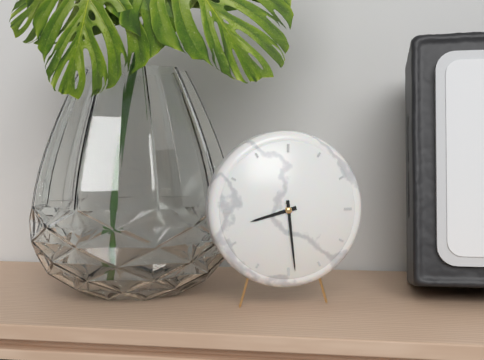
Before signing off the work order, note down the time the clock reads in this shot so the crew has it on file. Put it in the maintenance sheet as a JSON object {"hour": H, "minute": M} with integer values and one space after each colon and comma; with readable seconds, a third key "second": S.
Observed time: {"hour": 8, "minute": 29}
